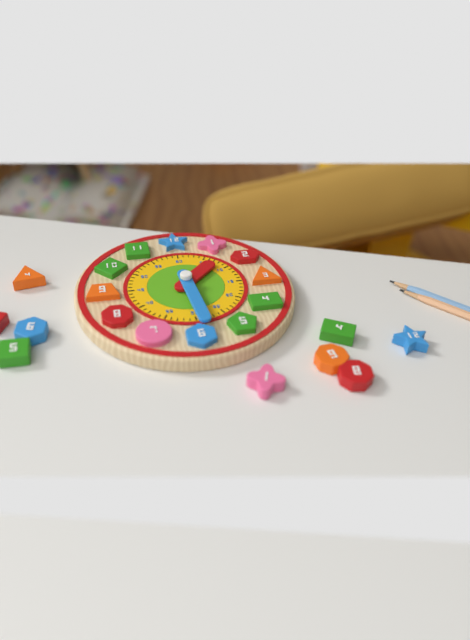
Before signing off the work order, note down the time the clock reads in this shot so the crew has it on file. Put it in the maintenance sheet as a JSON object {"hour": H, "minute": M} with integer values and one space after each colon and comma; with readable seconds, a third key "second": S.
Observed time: {"hour": 1, "minute": 29}
